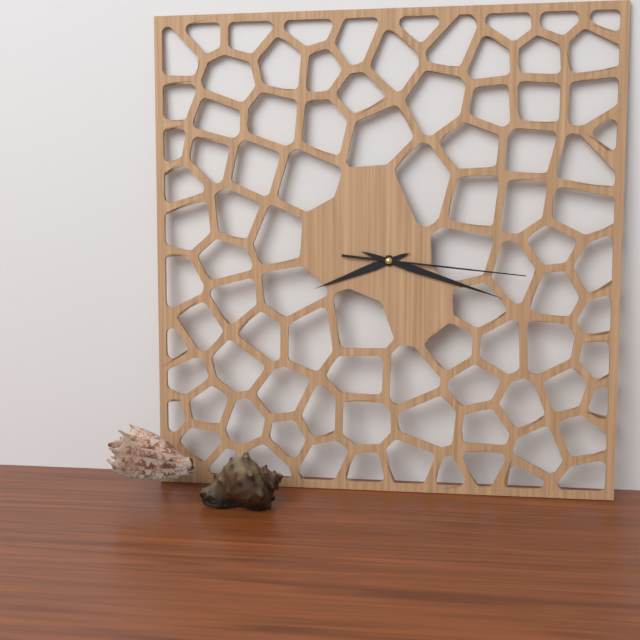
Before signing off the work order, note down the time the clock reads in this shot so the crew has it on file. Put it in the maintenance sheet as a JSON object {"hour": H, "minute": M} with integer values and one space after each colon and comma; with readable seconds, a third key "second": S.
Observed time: {"hour": 8, "minute": 18, "second": 16}
